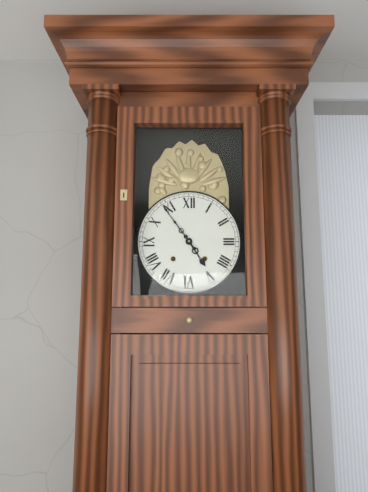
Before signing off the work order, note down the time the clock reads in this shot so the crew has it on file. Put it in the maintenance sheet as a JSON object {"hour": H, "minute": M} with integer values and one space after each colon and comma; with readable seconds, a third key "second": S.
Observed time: {"hour": 4, "minute": 54}
